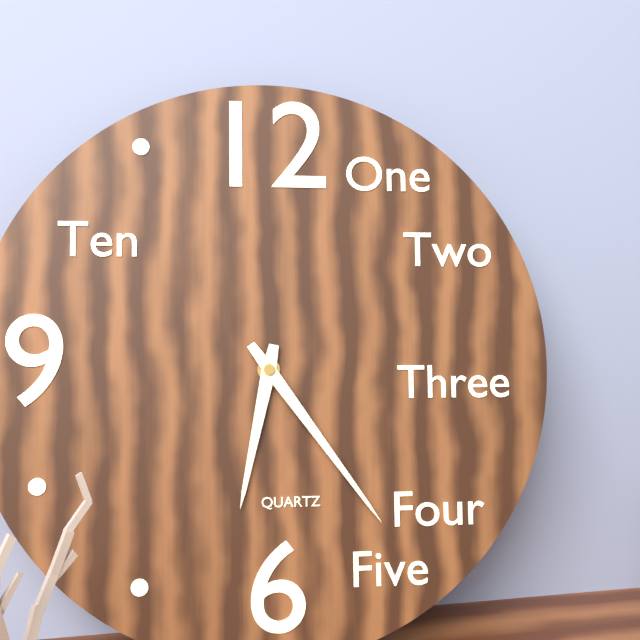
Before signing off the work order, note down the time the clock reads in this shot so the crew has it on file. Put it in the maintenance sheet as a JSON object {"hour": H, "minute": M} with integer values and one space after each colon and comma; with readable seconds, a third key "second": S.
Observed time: {"hour": 6, "minute": 24}
